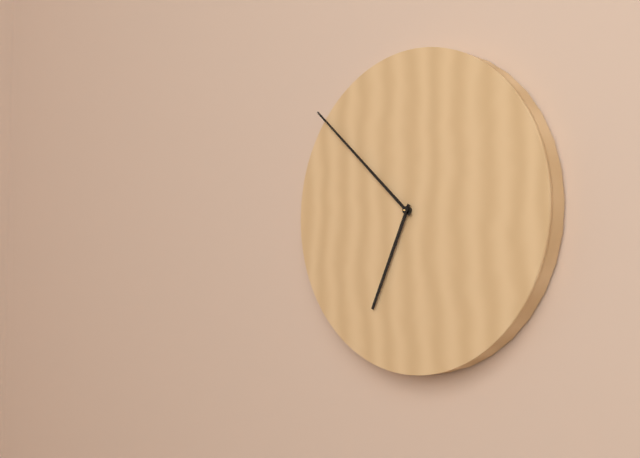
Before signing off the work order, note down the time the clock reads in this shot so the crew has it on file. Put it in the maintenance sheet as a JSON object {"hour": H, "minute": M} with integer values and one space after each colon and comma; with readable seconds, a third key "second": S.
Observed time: {"hour": 6, "minute": 52}
